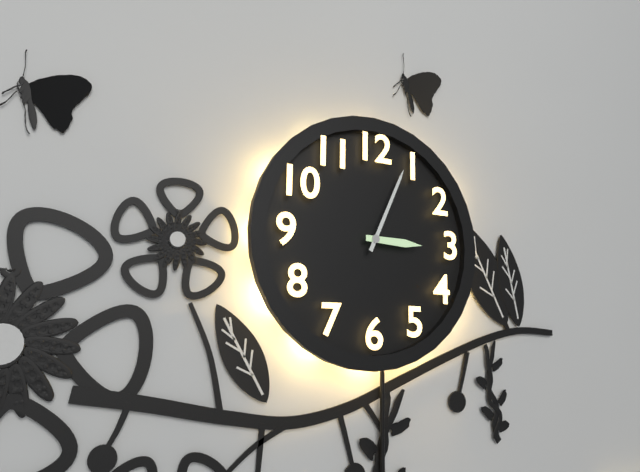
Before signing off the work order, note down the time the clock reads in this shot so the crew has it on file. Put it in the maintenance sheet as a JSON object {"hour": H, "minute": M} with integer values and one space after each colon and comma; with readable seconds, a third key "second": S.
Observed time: {"hour": 3, "minute": 4}
